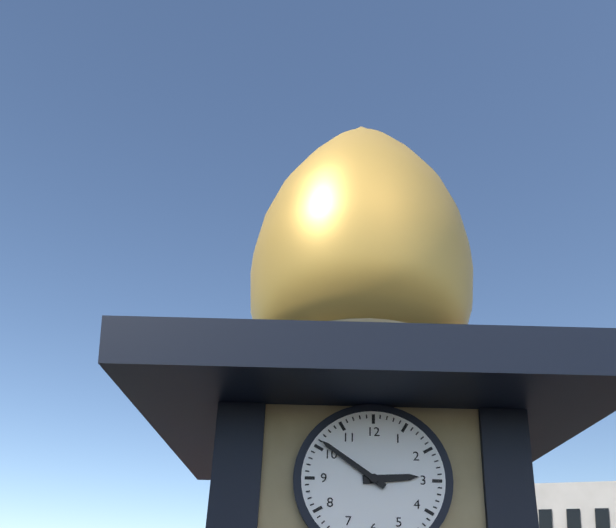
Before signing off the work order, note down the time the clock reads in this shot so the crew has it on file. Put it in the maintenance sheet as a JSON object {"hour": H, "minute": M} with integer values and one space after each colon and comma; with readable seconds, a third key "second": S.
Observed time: {"hour": 2, "minute": 51}
